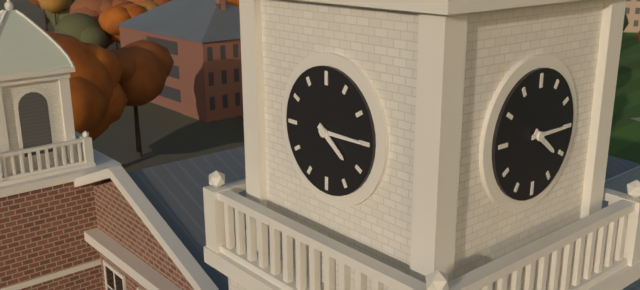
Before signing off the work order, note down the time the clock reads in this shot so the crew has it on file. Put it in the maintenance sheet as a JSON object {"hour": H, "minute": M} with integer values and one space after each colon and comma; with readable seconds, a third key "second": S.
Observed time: {"hour": 4, "minute": 15}
